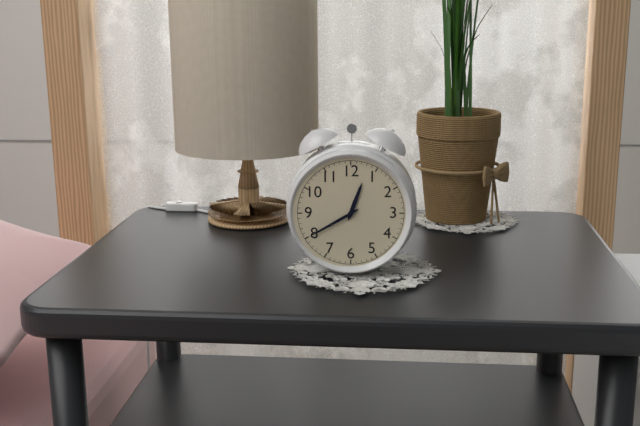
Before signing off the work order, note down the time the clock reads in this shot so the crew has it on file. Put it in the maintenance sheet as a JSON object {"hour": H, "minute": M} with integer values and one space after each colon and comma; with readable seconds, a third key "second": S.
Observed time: {"hour": 12, "minute": 40}
